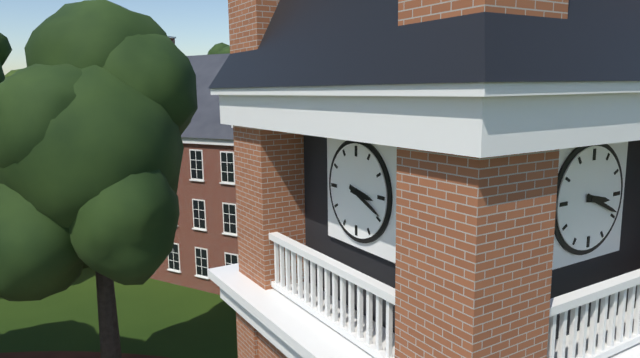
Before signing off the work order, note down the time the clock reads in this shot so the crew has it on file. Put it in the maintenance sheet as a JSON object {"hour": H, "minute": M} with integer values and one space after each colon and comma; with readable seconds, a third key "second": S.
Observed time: {"hour": 3, "minute": 19}
